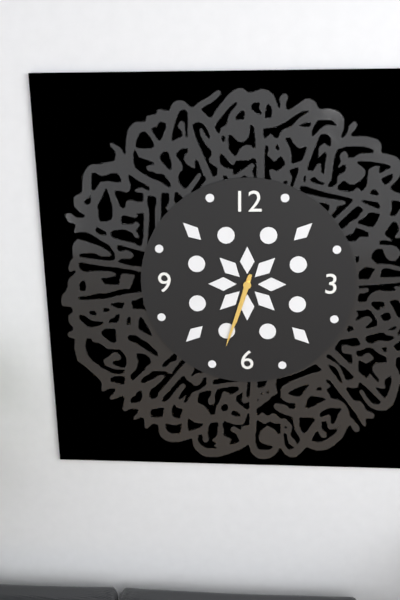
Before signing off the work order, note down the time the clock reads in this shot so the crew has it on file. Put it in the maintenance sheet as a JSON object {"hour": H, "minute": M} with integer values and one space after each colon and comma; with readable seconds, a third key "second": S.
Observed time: {"hour": 6, "minute": 33}
